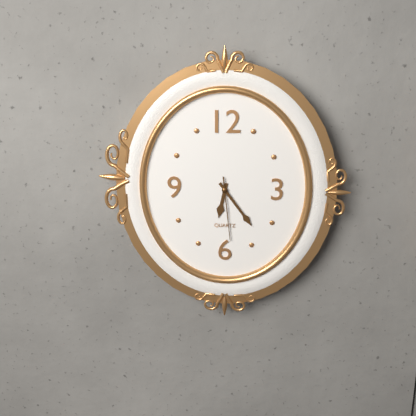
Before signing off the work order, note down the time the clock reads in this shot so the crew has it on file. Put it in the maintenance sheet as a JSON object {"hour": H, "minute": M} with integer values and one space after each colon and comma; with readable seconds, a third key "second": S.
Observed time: {"hour": 6, "minute": 24, "second": 29}
